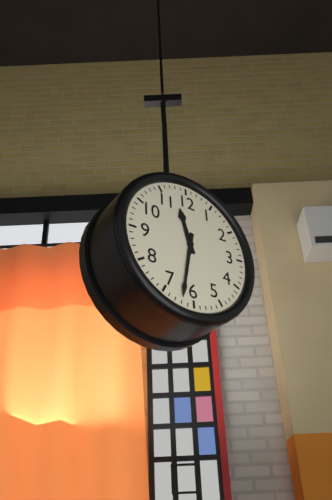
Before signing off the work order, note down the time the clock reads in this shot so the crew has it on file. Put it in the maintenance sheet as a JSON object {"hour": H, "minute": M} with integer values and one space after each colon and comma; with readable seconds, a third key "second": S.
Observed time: {"hour": 11, "minute": 32}
